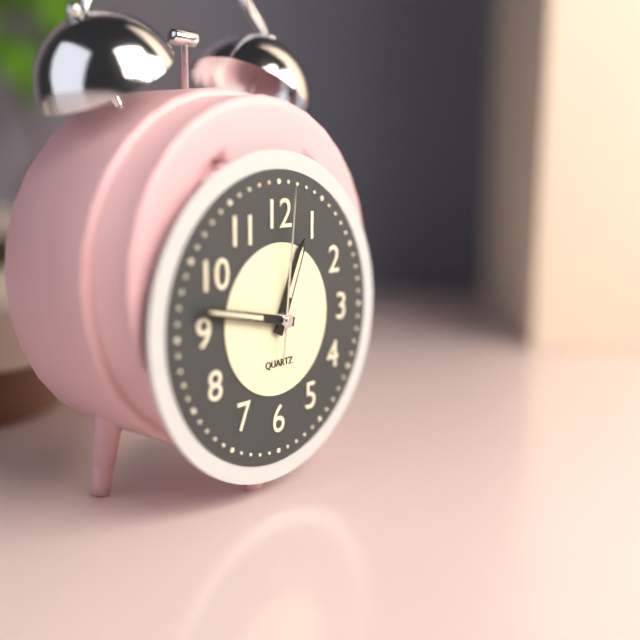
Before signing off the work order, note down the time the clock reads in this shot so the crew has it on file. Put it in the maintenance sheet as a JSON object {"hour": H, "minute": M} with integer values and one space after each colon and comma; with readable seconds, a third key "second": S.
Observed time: {"hour": 12, "minute": 47, "second": 1}
